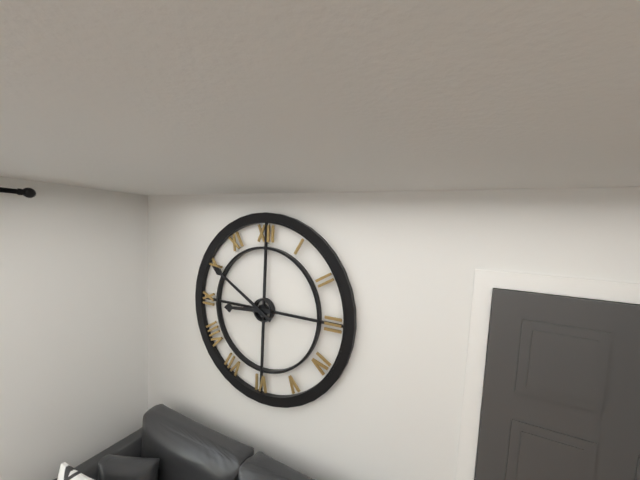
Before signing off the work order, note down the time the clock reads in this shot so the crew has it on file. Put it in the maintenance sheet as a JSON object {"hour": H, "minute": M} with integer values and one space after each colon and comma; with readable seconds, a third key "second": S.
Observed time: {"hour": 8, "minute": 50}
